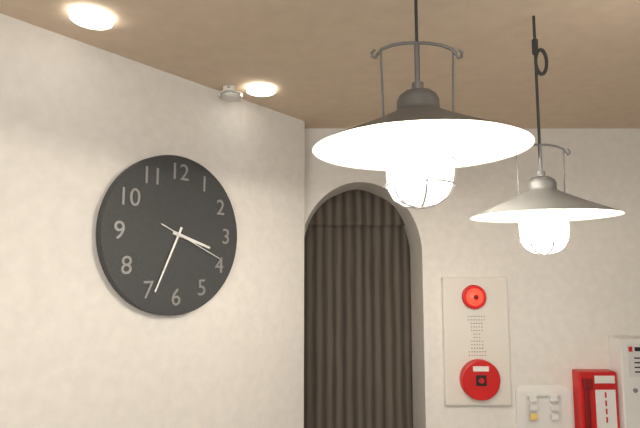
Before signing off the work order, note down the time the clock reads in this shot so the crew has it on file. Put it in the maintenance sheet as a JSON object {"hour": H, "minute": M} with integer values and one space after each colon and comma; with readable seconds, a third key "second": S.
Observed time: {"hour": 3, "minute": 34, "second": 19}
